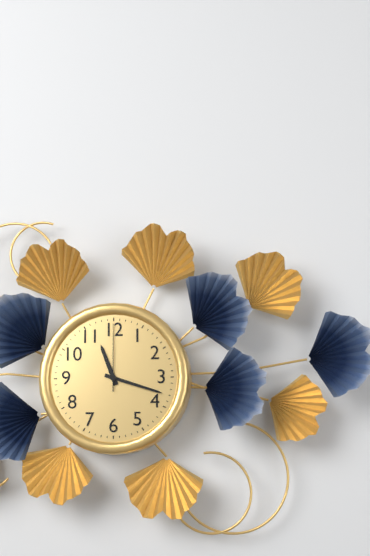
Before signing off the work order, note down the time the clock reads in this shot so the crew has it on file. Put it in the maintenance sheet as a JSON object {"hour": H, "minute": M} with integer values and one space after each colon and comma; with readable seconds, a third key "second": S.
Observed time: {"hour": 11, "minute": 18, "second": 0}
